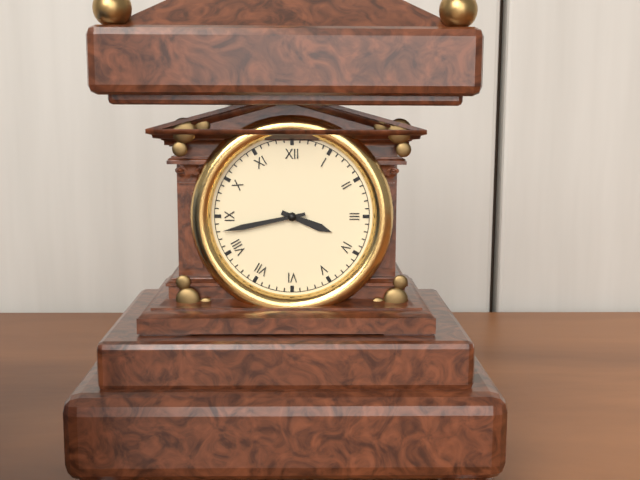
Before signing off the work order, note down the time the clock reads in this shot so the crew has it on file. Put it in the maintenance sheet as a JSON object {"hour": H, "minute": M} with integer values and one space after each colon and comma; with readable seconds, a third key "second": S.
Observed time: {"hour": 3, "minute": 43}
